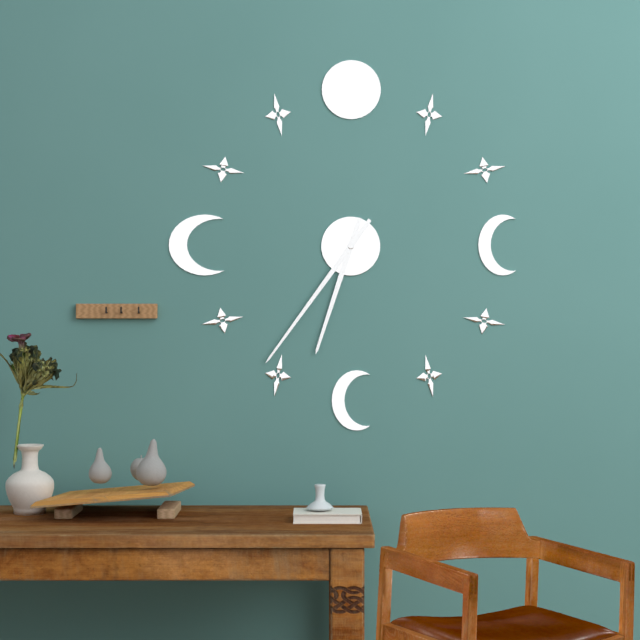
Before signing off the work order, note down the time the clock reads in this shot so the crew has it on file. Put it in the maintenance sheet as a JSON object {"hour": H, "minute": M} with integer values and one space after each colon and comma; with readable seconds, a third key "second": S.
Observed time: {"hour": 6, "minute": 36}
